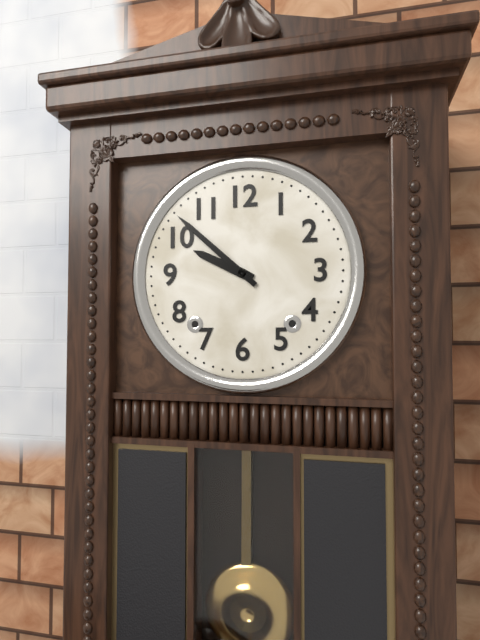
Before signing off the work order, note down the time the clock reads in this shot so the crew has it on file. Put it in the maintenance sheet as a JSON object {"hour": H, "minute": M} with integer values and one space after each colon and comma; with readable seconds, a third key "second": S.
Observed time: {"hour": 9, "minute": 52}
